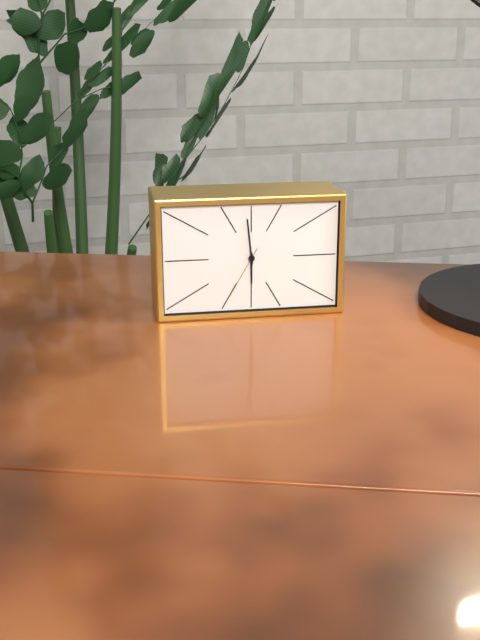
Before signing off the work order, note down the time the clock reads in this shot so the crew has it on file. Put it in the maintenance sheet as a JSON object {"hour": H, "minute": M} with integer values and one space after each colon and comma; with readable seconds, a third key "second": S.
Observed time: {"hour": 5, "minute": 59, "second": 35}
